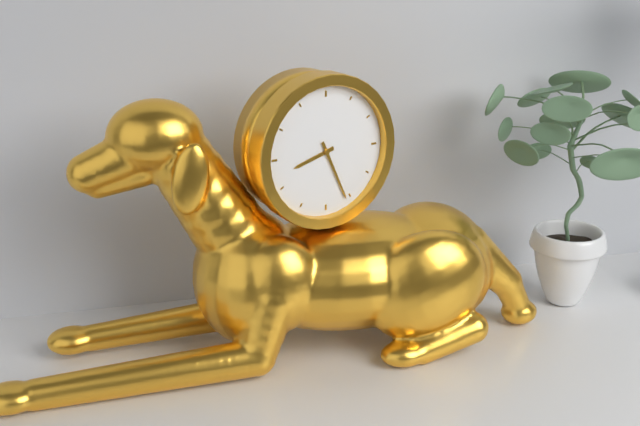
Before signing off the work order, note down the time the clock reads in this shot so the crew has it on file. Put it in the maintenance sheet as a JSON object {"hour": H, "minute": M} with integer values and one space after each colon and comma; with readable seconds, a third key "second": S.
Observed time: {"hour": 8, "minute": 26}
